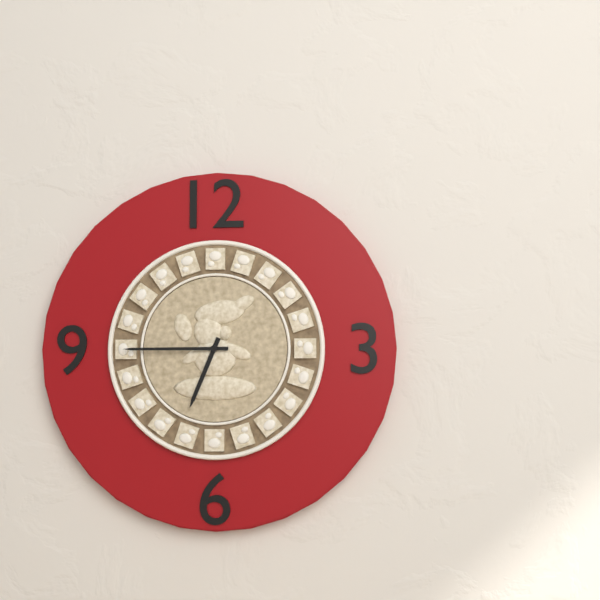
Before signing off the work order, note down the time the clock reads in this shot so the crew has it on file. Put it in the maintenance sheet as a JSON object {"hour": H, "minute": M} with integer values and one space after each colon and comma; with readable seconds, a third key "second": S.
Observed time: {"hour": 6, "minute": 45}
